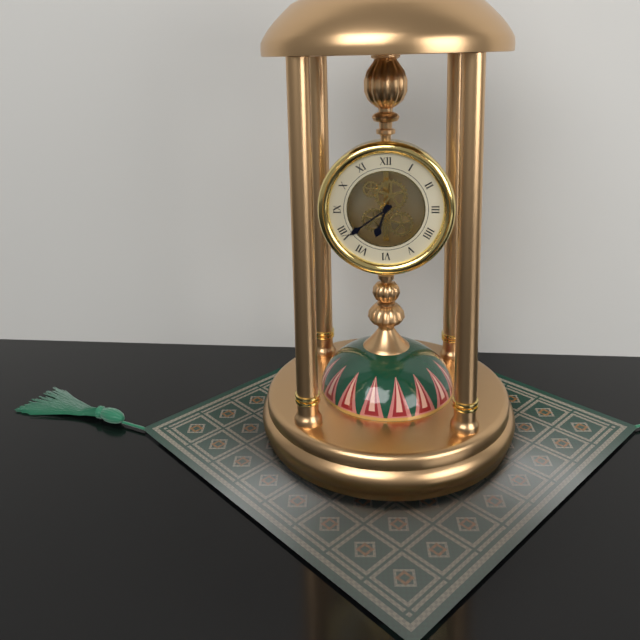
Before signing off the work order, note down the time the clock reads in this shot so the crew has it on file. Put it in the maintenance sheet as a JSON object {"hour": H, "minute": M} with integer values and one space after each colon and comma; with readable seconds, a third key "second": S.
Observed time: {"hour": 6, "minute": 39}
